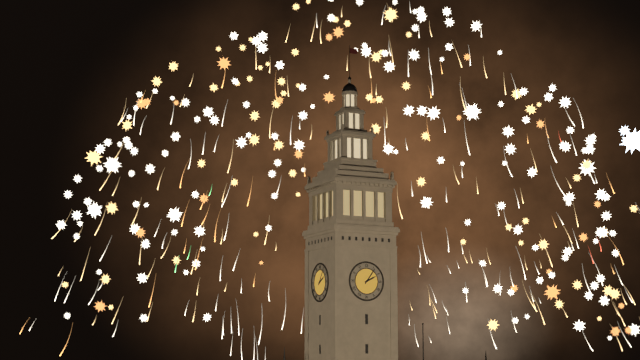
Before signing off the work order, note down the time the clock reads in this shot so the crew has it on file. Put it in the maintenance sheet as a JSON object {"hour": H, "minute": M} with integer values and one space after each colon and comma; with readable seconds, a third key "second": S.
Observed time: {"hour": 2, "minute": 6}
